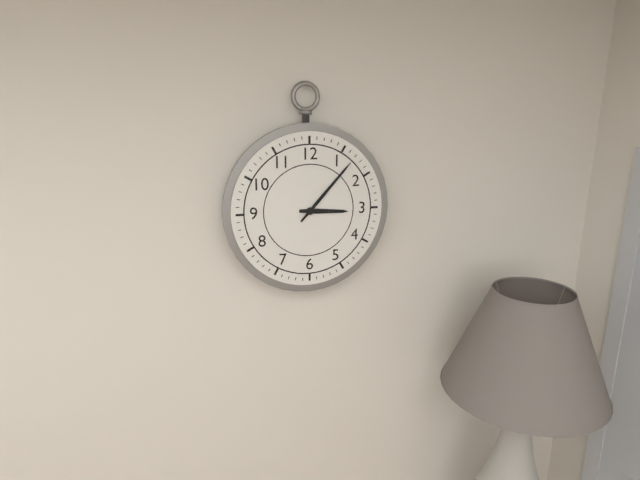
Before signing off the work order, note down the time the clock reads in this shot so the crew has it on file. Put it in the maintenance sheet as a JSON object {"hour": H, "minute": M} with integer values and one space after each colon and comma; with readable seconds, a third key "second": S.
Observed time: {"hour": 3, "minute": 7}
